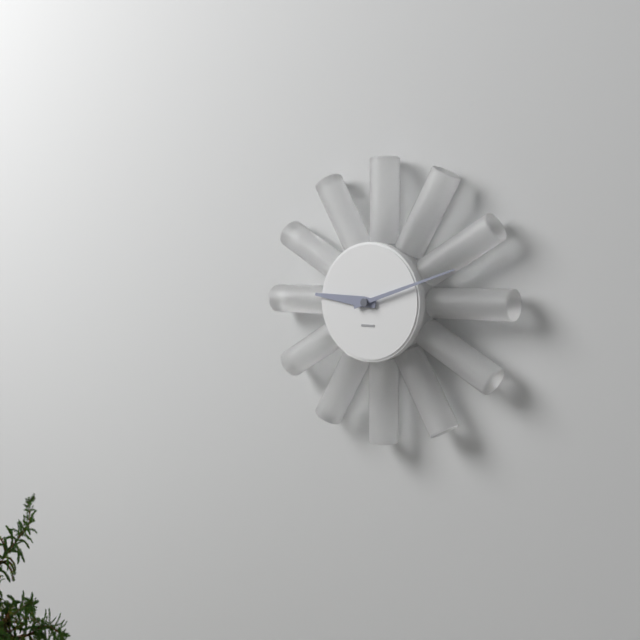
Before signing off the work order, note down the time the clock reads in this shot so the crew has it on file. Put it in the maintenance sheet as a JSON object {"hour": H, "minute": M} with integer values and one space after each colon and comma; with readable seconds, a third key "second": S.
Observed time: {"hour": 9, "minute": 12}
